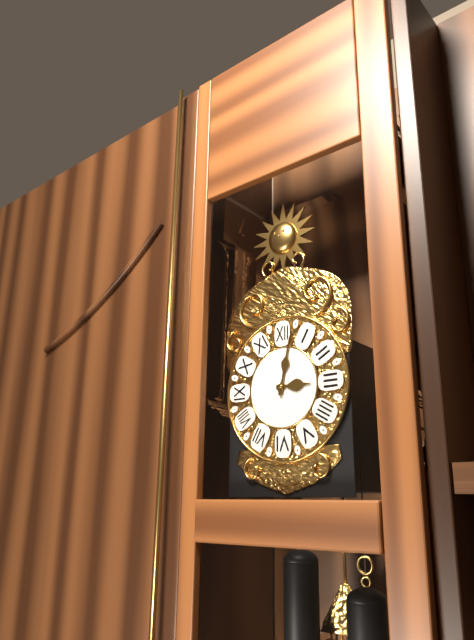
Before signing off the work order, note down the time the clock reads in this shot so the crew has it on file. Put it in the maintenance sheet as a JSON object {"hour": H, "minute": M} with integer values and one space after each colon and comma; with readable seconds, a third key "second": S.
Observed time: {"hour": 3, "minute": 2}
